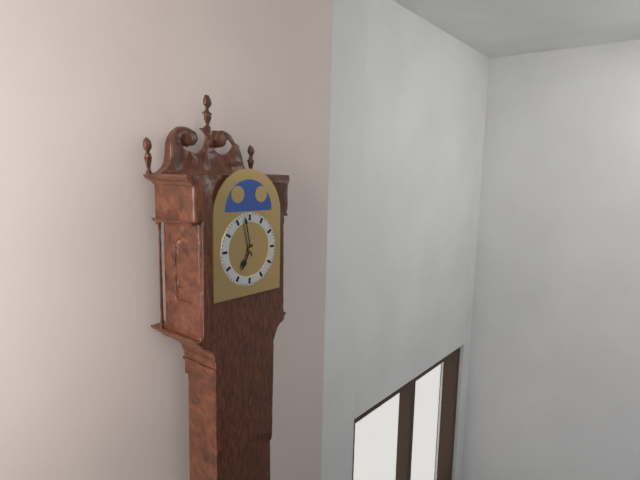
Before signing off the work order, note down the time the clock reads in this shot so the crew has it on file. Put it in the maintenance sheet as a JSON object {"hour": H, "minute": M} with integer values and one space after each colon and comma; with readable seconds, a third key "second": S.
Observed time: {"hour": 6, "minute": 58}
